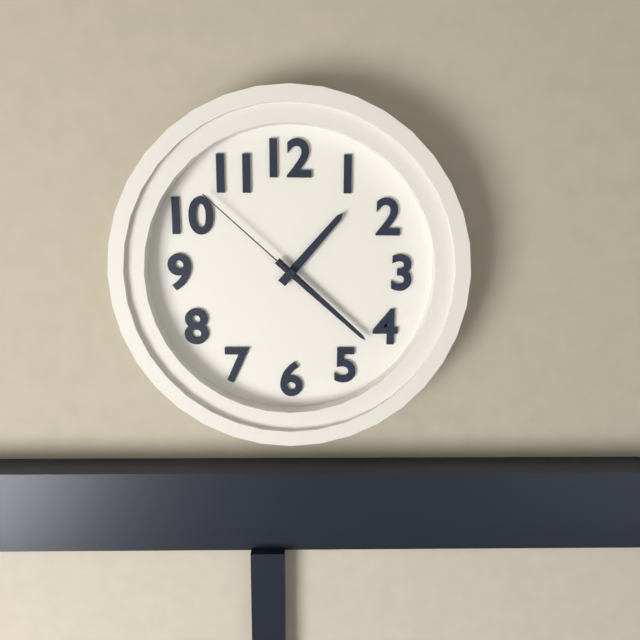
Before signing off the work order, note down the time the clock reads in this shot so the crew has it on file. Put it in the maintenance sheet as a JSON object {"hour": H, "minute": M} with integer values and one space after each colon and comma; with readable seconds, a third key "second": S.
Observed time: {"hour": 1, "minute": 22, "second": 52}
